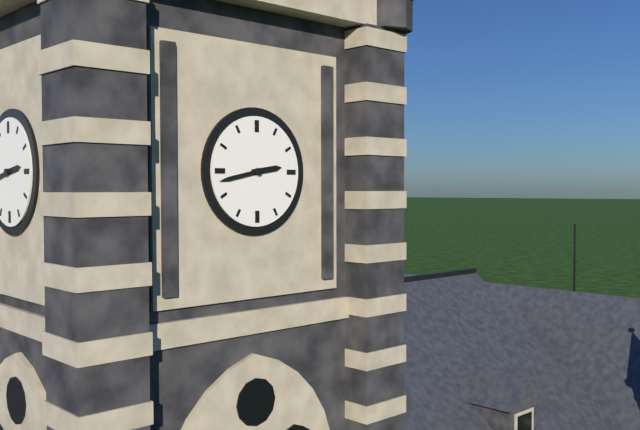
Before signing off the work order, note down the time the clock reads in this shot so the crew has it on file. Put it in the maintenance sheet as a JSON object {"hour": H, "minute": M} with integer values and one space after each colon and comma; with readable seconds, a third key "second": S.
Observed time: {"hour": 2, "minute": 43}
